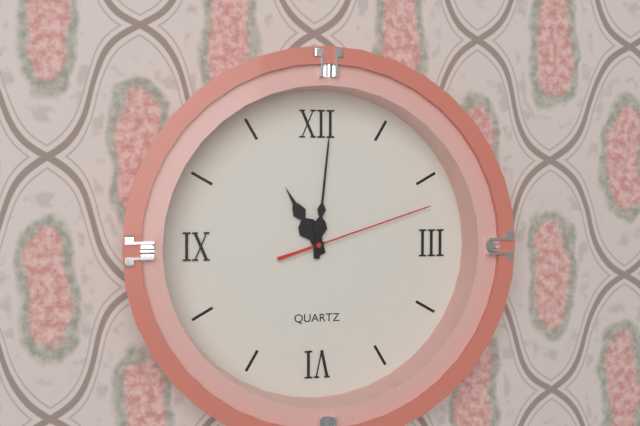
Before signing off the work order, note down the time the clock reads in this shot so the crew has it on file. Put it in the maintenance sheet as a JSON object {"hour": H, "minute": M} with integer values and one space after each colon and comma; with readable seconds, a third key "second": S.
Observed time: {"hour": 11, "minute": 1, "second": 12}
